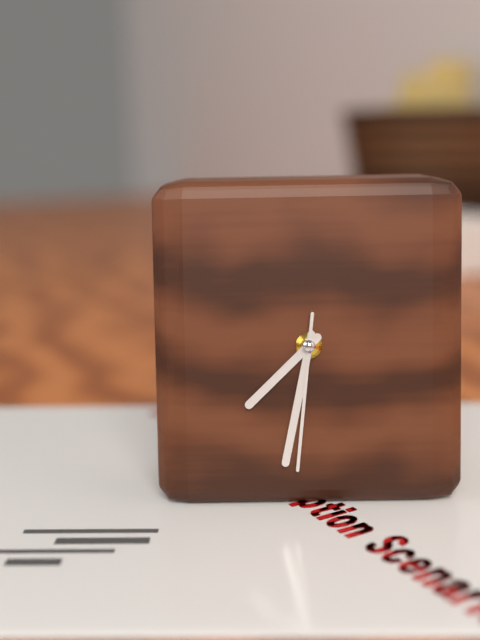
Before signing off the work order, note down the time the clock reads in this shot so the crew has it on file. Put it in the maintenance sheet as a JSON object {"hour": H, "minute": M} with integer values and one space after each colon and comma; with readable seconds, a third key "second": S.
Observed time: {"hour": 7, "minute": 32, "second": 31}
